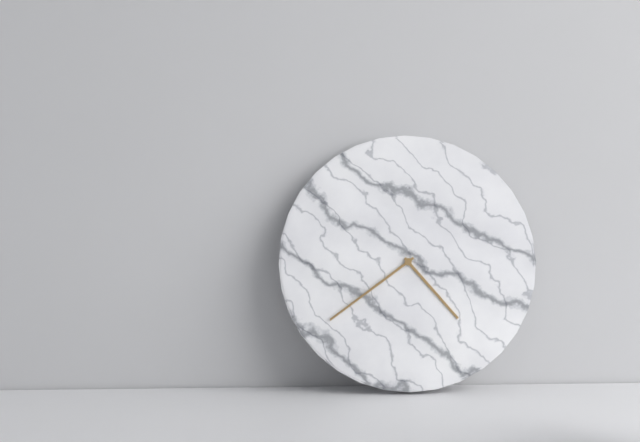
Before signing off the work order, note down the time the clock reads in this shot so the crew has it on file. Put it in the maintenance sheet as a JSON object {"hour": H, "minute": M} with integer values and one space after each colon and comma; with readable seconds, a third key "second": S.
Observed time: {"hour": 4, "minute": 39}
